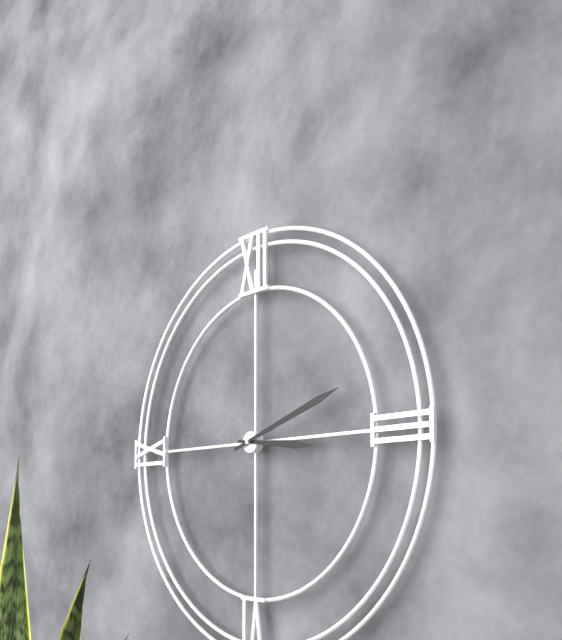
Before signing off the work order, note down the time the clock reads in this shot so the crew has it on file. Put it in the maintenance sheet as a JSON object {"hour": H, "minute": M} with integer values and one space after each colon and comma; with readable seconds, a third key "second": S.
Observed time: {"hour": 3, "minute": 12}
